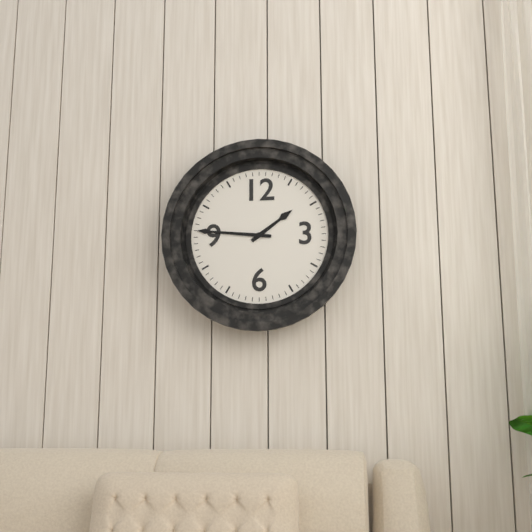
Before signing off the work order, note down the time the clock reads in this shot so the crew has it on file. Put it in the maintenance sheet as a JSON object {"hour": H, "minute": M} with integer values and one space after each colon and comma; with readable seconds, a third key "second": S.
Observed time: {"hour": 1, "minute": 46}
